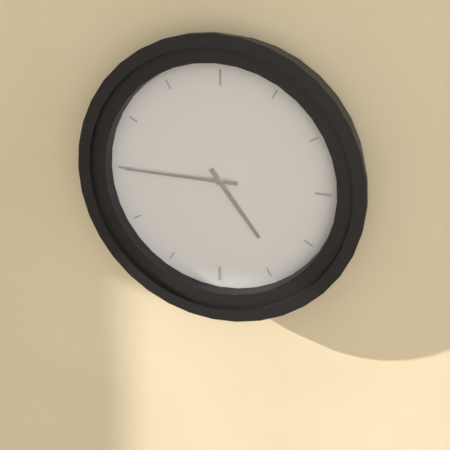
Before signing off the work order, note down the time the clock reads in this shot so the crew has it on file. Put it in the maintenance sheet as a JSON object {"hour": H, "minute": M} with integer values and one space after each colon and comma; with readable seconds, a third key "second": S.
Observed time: {"hour": 4, "minute": 45}
